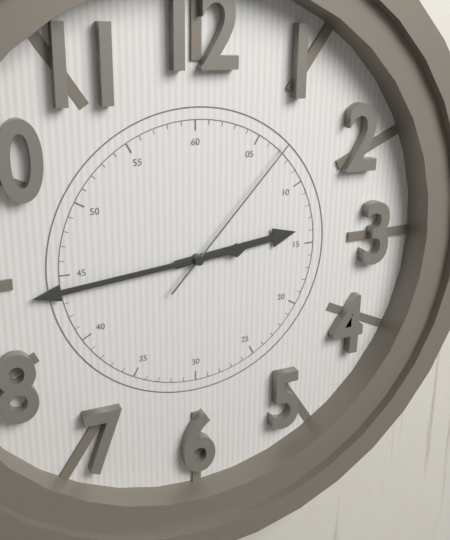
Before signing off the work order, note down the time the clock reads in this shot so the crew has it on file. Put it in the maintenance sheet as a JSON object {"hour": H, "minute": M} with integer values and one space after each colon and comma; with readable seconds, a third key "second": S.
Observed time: {"hour": 2, "minute": 44, "second": 7}
